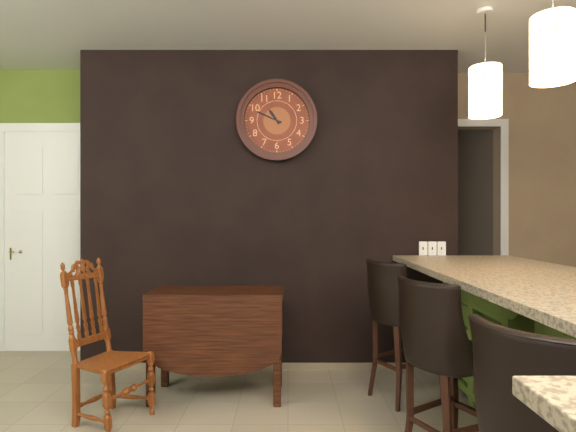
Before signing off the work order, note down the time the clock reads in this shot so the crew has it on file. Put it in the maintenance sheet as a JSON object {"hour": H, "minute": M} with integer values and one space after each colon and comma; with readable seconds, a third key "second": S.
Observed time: {"hour": 10, "minute": 49}
